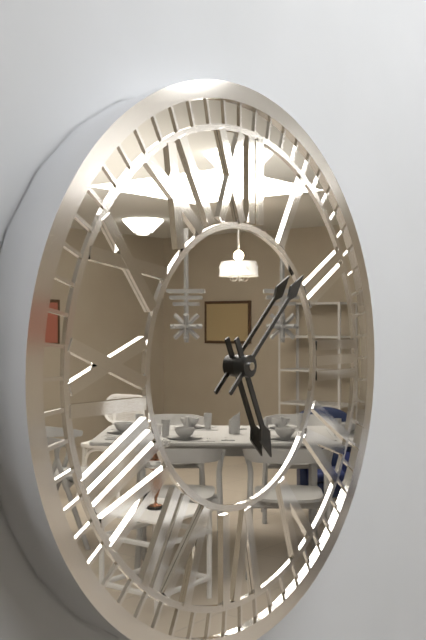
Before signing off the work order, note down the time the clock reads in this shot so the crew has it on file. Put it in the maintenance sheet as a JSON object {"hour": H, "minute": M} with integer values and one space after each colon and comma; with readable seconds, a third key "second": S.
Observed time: {"hour": 5, "minute": 8}
